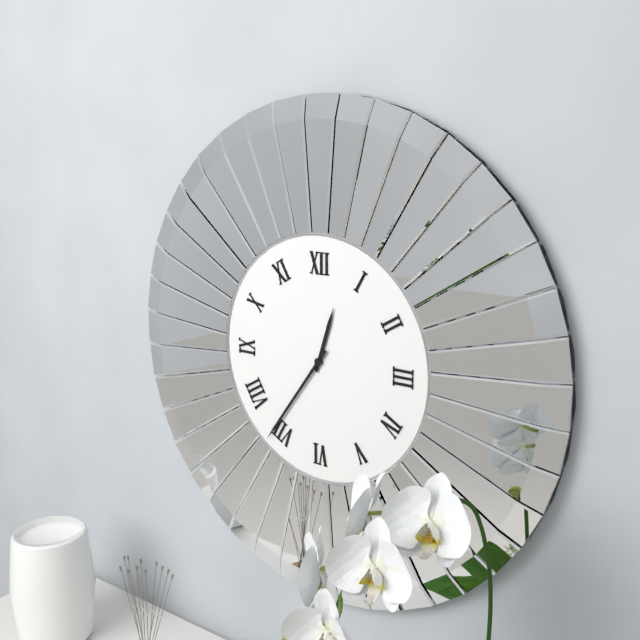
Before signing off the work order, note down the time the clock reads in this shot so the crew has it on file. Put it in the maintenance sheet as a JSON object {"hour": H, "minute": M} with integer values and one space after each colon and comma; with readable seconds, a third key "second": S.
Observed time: {"hour": 12, "minute": 36}
